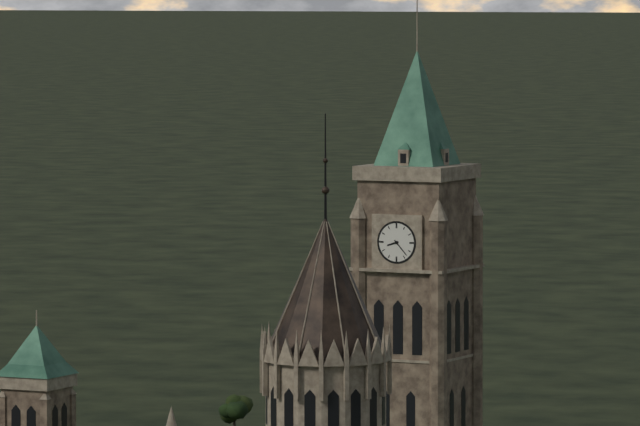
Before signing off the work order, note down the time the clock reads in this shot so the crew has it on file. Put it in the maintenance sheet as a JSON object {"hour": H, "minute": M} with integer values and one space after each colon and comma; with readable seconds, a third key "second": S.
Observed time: {"hour": 8, "minute": 23}
